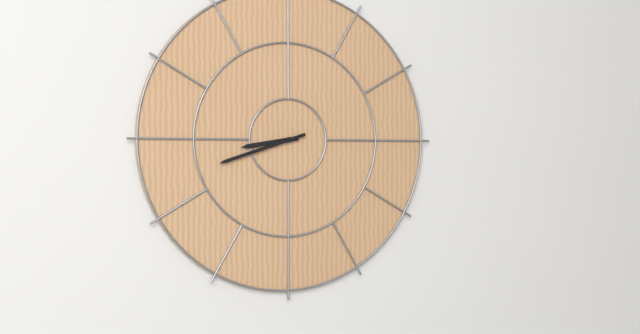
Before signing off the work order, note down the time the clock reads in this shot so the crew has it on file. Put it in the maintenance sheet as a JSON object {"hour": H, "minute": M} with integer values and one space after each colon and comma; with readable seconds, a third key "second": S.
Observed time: {"hour": 8, "minute": 42}
